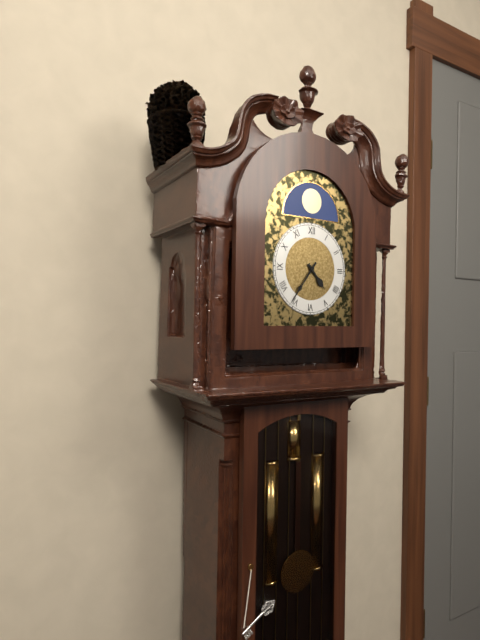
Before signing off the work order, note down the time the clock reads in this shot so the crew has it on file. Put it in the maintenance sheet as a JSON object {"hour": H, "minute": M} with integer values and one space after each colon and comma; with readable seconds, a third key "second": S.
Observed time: {"hour": 4, "minute": 36}
